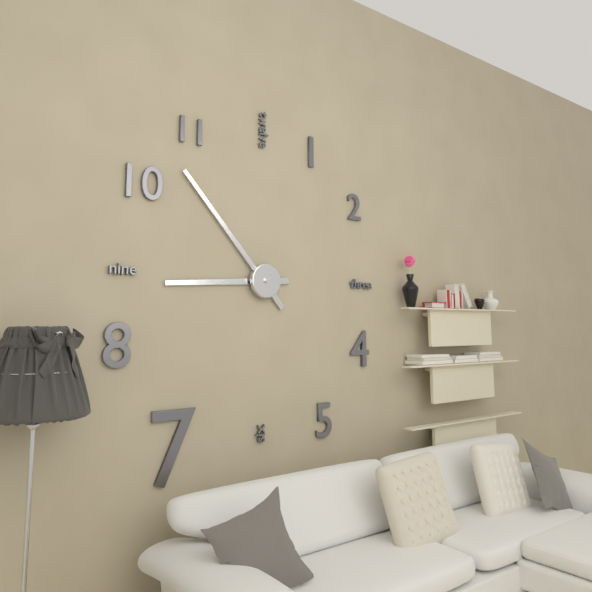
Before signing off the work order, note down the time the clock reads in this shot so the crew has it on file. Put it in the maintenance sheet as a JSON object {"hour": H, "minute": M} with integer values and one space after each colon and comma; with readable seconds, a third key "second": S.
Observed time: {"hour": 8, "minute": 53}
